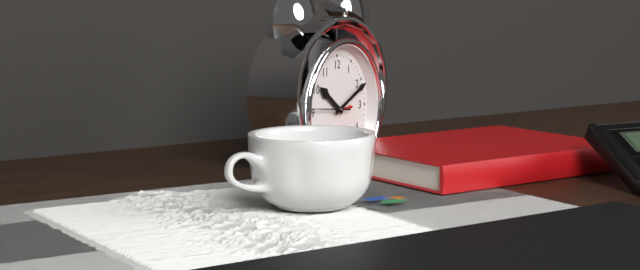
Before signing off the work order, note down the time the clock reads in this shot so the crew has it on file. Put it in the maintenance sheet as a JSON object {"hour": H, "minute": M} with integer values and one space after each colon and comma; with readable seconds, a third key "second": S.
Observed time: {"hour": 10, "minute": 11}
